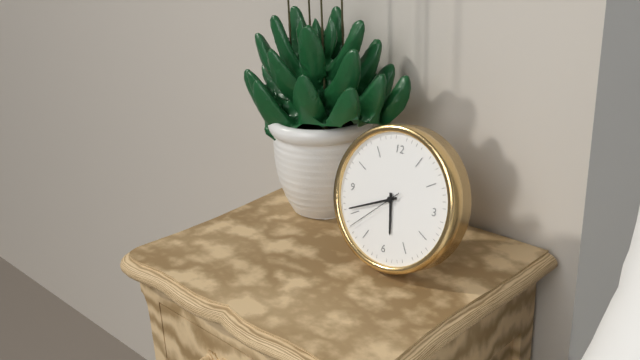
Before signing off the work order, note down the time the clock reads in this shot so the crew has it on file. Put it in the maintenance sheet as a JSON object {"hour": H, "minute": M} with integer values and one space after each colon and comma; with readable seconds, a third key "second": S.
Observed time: {"hour": 5, "minute": 41, "second": 38}
